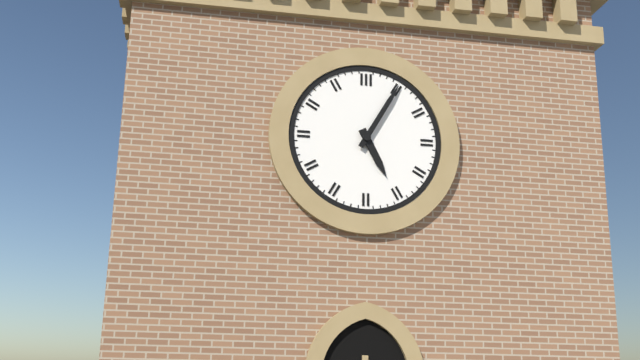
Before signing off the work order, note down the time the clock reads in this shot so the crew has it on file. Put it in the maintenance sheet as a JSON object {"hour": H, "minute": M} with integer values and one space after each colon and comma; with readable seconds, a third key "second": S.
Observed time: {"hour": 5, "minute": 5}
